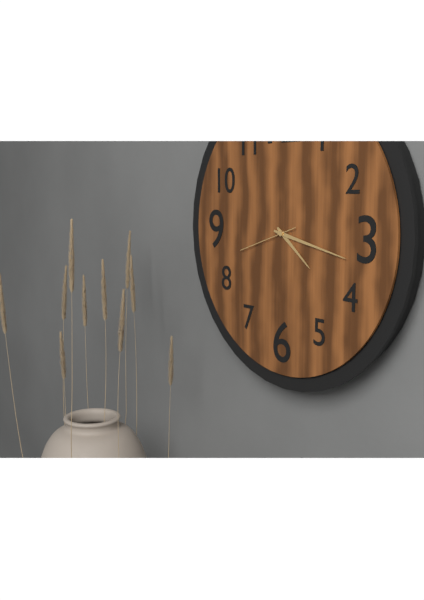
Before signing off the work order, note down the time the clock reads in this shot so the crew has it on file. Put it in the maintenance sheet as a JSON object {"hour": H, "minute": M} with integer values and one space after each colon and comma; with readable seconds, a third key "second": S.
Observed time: {"hour": 4, "minute": 17, "second": 42}
